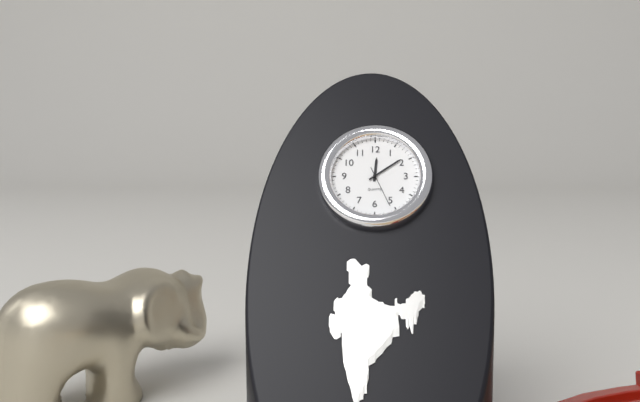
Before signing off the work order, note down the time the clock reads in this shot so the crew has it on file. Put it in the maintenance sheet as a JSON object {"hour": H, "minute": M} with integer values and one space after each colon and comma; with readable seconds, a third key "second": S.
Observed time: {"hour": 12, "minute": 9}
